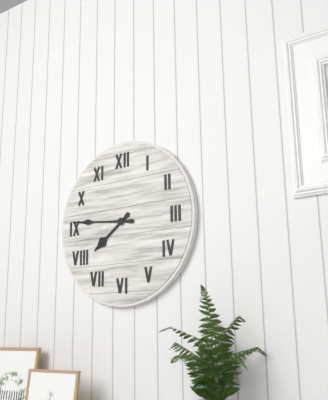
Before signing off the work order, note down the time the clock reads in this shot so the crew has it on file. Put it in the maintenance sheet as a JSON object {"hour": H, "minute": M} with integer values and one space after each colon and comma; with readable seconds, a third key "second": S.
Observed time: {"hour": 7, "minute": 46}
